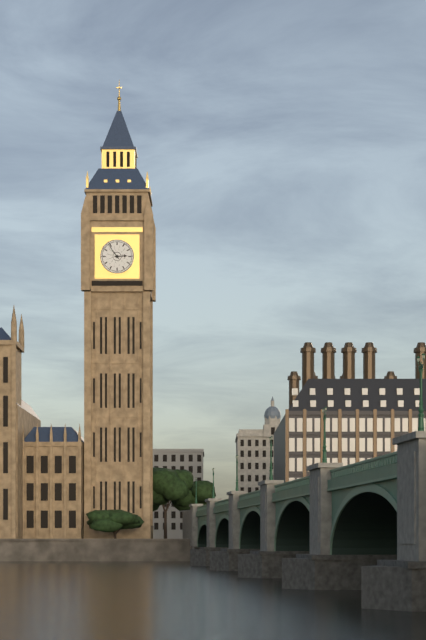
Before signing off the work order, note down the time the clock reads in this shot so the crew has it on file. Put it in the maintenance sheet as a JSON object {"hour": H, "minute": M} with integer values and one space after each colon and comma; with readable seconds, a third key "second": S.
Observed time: {"hour": 2, "minute": 54}
